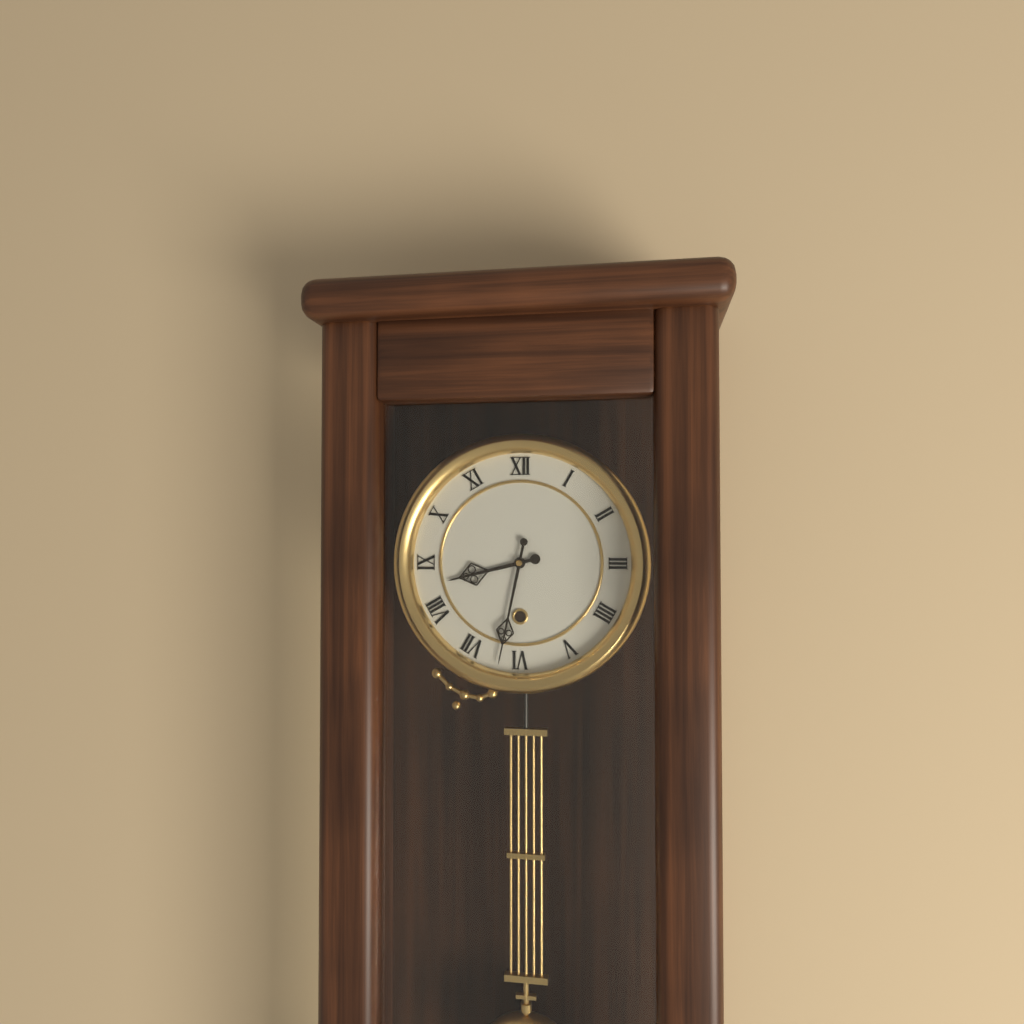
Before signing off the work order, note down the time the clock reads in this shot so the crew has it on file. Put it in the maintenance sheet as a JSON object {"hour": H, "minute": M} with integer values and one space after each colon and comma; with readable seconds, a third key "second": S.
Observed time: {"hour": 8, "minute": 32}
